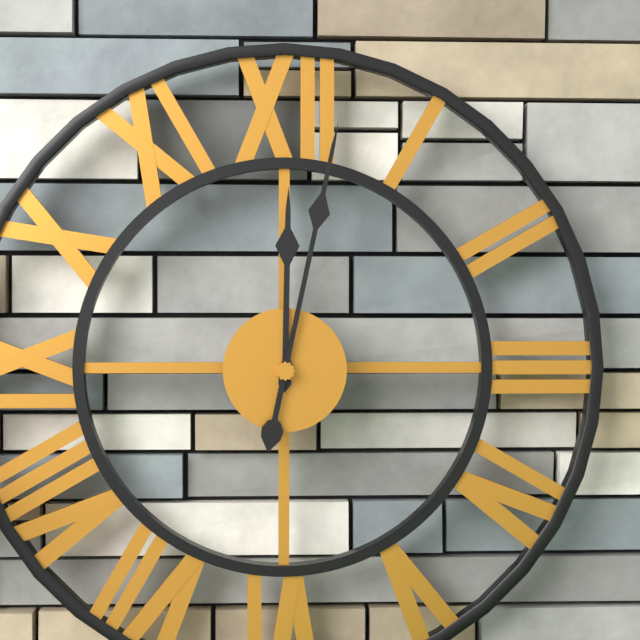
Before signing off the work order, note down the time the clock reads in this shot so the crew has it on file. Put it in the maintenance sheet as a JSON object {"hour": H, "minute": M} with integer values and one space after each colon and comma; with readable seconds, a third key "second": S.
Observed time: {"hour": 12, "minute": 2}
